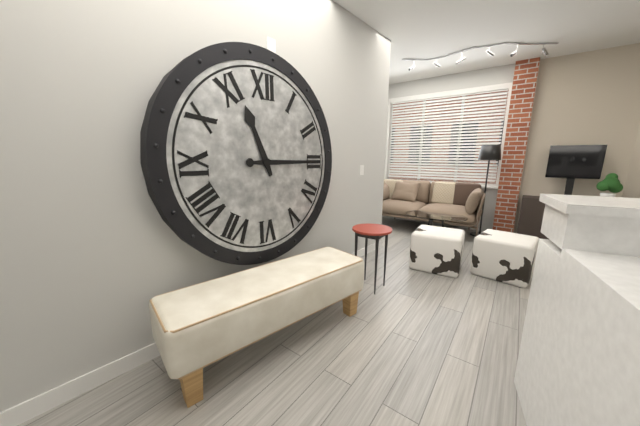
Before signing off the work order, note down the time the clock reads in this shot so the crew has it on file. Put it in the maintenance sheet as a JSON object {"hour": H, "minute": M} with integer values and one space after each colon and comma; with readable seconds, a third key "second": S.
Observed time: {"hour": 11, "minute": 15}
